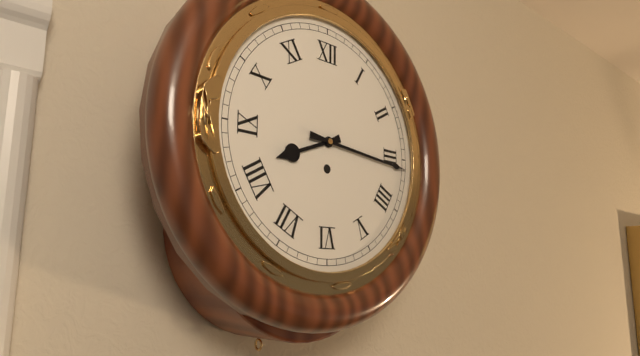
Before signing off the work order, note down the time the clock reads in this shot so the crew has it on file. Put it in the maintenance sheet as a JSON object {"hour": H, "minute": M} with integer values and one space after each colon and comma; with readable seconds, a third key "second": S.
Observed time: {"hour": 8, "minute": 16}
